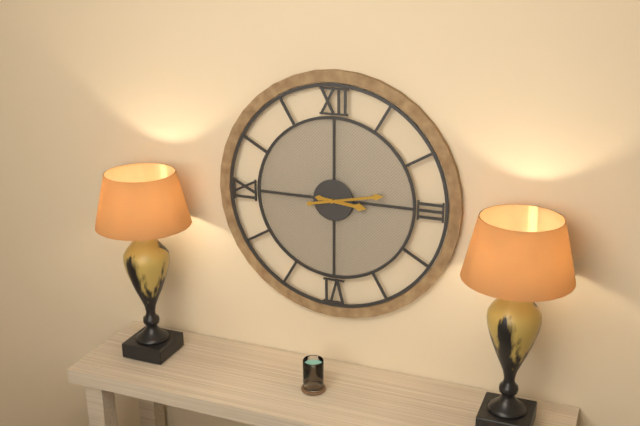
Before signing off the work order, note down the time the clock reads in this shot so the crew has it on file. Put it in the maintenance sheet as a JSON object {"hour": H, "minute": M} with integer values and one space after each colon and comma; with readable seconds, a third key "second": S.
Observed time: {"hour": 3, "minute": 13}
